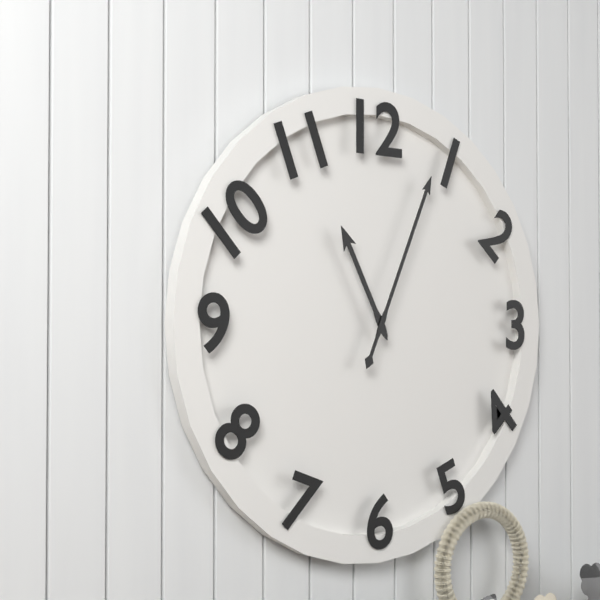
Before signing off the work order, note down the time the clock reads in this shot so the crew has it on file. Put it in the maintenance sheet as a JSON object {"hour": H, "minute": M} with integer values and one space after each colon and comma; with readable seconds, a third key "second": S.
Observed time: {"hour": 11, "minute": 4}
